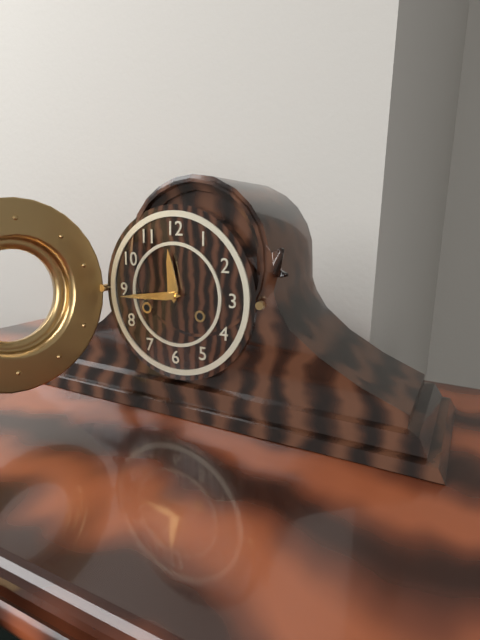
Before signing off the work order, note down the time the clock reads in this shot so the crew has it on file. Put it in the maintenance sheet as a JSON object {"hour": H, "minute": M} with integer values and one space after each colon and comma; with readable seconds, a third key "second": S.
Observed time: {"hour": 11, "minute": 44}
